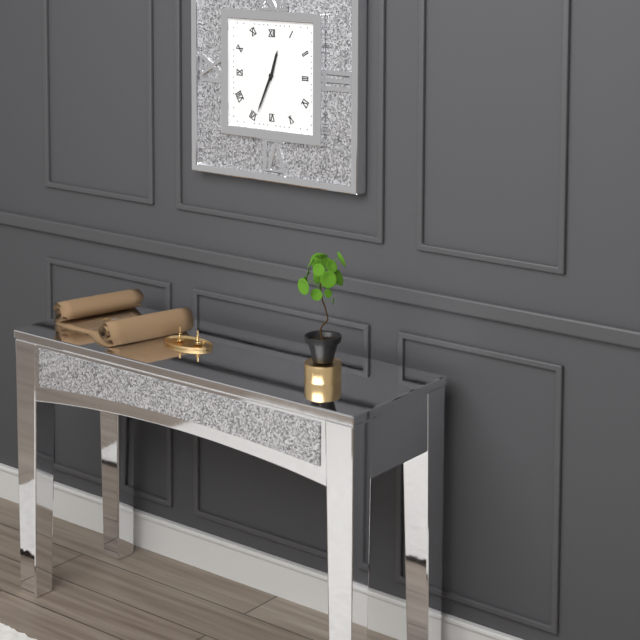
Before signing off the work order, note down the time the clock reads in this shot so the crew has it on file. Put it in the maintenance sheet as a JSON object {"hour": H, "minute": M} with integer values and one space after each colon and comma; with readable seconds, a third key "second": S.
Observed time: {"hour": 12, "minute": 34}
